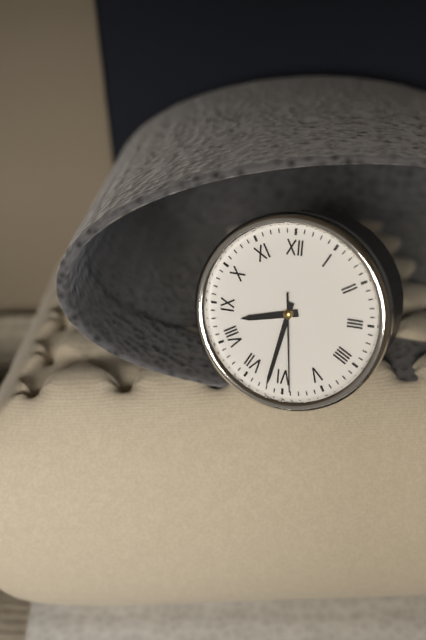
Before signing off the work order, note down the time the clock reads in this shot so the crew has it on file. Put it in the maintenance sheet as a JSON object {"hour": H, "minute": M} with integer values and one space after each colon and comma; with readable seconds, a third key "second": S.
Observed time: {"hour": 8, "minute": 32, "second": 29}
